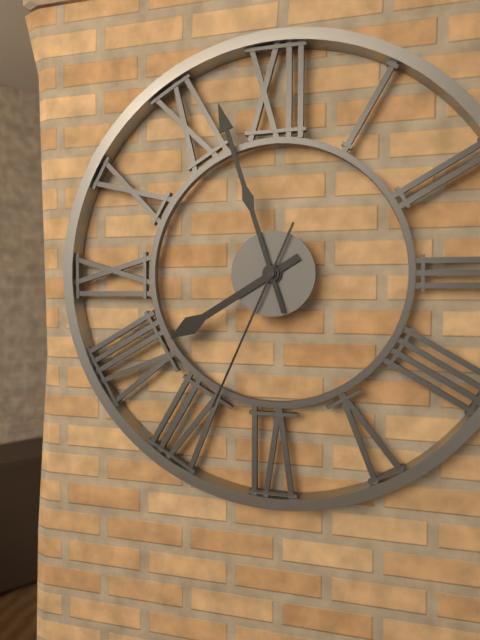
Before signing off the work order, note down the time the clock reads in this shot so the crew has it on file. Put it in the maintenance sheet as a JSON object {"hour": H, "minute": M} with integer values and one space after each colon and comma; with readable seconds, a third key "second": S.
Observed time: {"hour": 7, "minute": 57, "second": 34}
